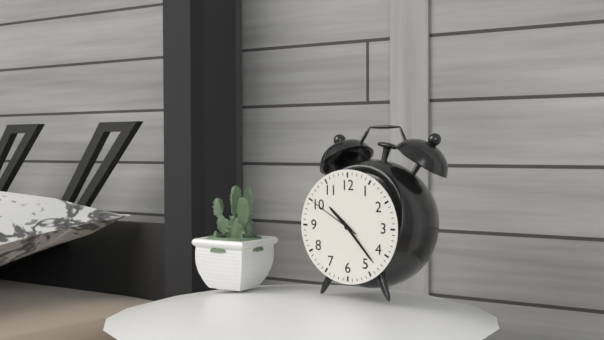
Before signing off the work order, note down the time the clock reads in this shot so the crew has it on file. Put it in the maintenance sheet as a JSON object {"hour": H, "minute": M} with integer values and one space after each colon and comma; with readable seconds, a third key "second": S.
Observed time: {"hour": 10, "minute": 23, "second": 50}
